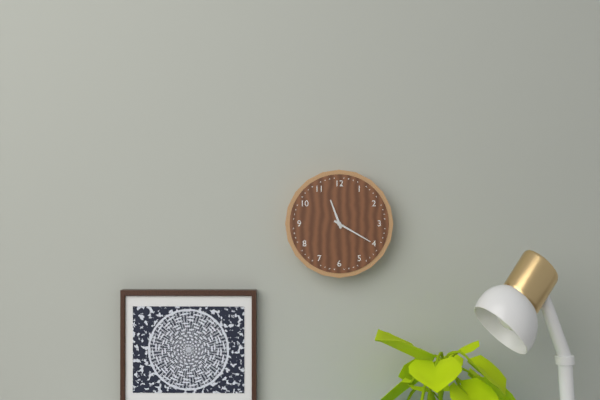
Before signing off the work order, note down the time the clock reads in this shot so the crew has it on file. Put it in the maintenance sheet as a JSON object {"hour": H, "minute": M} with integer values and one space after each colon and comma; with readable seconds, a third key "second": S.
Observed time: {"hour": 11, "minute": 20}
